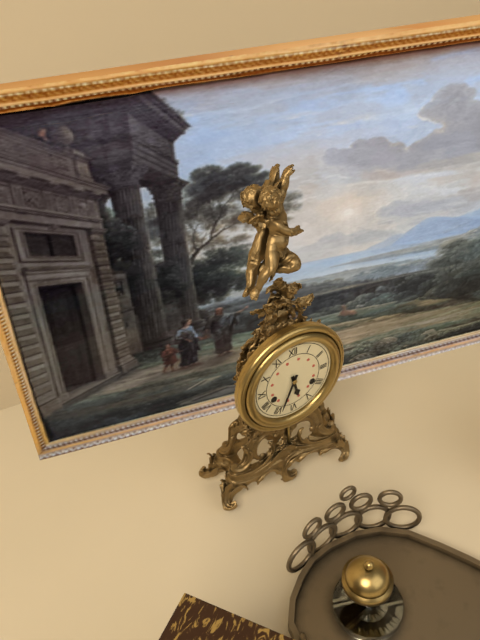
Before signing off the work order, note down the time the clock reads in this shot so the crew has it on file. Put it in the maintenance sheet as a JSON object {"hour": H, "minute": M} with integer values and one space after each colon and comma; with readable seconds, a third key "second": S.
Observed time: {"hour": 5, "minute": 34}
